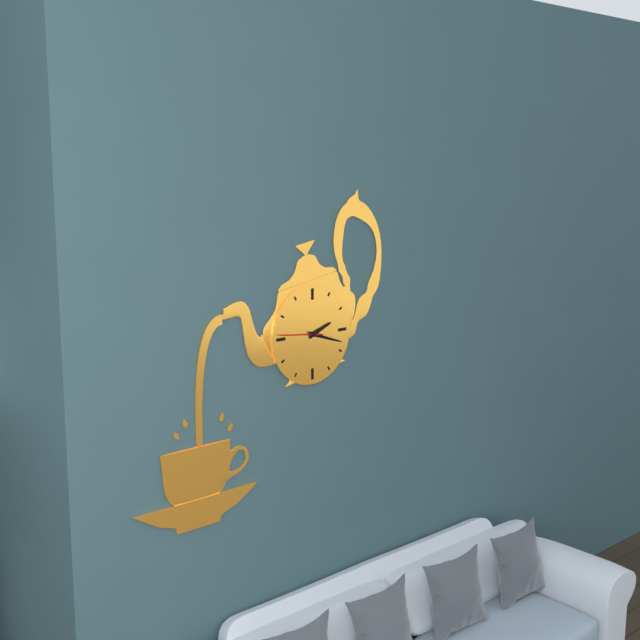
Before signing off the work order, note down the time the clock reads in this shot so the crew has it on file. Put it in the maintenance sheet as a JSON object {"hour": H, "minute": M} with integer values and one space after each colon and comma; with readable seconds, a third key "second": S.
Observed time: {"hour": 2, "minute": 18}
